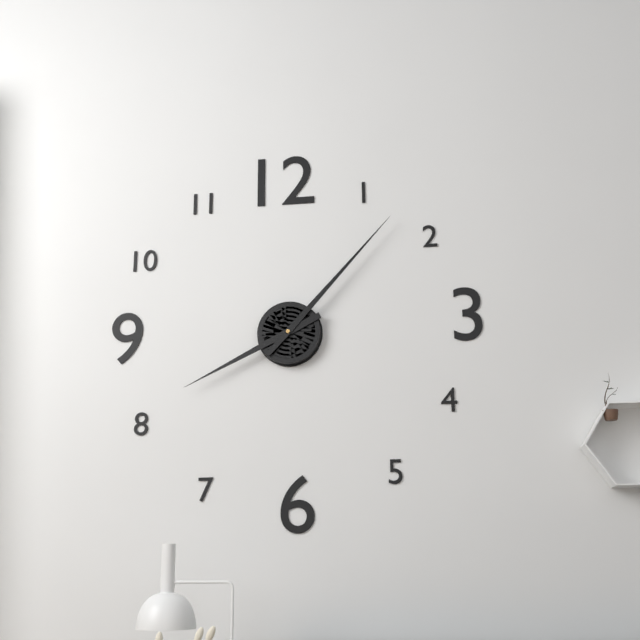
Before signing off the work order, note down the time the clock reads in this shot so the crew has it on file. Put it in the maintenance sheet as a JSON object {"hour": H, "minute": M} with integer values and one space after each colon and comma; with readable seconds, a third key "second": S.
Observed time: {"hour": 8, "minute": 7}
